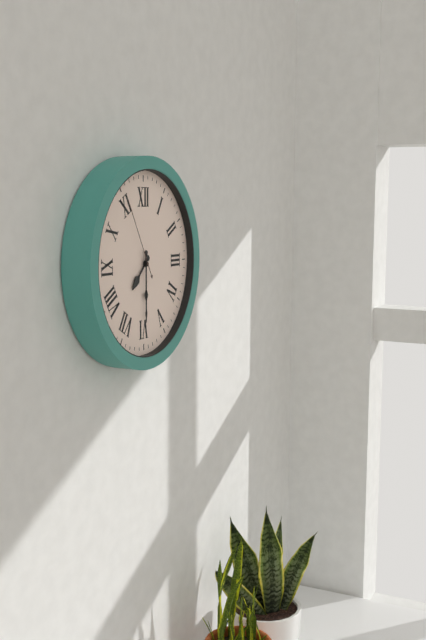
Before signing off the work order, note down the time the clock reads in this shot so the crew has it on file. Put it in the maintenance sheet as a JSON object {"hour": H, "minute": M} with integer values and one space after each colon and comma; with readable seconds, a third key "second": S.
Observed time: {"hour": 7, "minute": 30, "second": 55}
